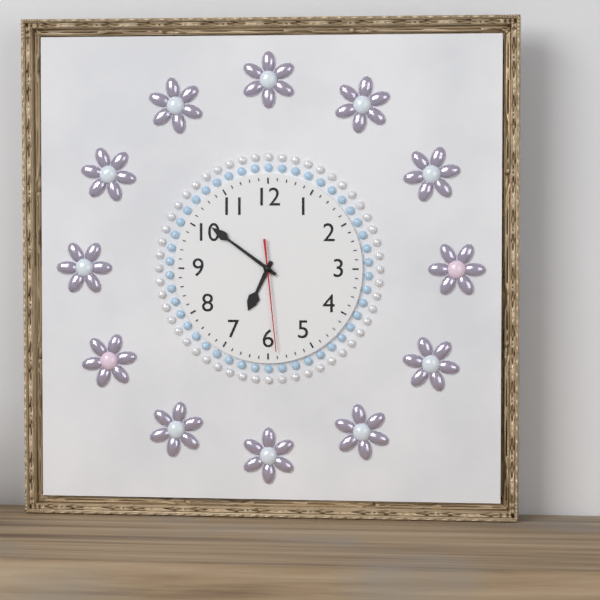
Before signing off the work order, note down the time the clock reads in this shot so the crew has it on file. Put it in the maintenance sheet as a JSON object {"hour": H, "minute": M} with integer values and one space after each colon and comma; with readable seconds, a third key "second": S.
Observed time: {"hour": 6, "minute": 51, "second": 29}
